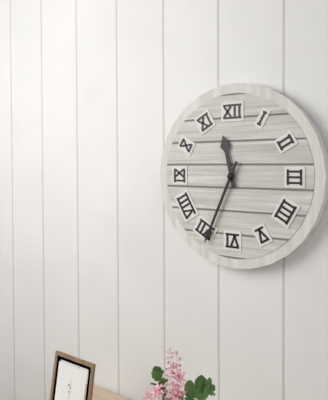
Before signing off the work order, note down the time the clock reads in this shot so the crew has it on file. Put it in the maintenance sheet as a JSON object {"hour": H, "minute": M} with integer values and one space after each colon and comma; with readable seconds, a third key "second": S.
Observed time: {"hour": 11, "minute": 34}
